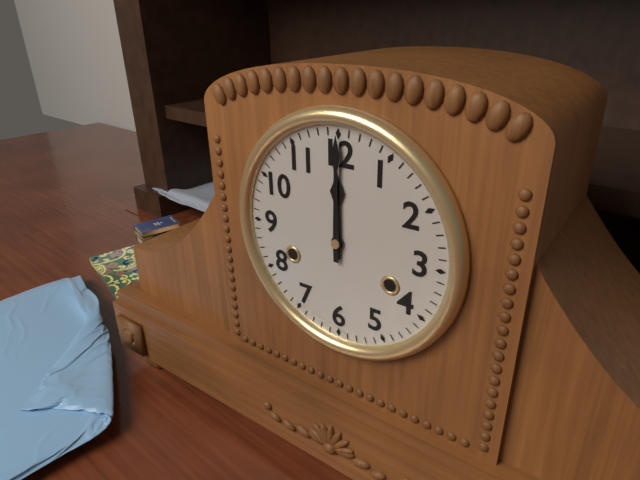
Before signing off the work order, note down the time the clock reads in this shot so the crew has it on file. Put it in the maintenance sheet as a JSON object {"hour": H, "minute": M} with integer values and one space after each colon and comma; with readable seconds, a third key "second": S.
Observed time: {"hour": 12, "minute": 0}
